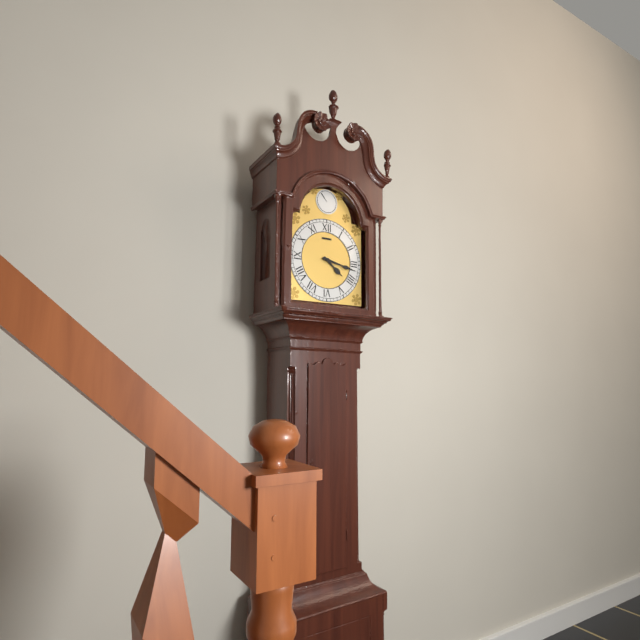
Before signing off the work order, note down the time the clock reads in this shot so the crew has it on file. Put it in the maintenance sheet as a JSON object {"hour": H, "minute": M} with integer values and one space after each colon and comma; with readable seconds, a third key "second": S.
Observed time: {"hour": 4, "minute": 17}
